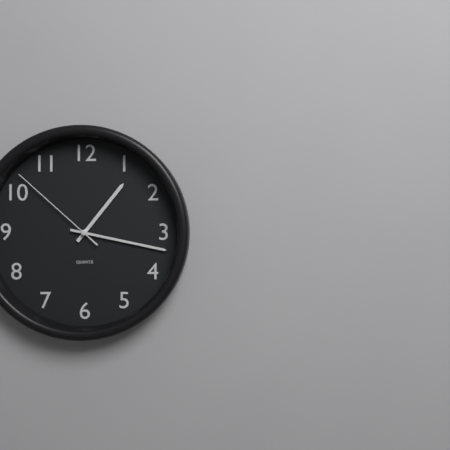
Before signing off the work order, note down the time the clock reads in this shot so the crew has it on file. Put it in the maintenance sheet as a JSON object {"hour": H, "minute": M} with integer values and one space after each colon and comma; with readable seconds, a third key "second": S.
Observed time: {"hour": 1, "minute": 17, "second": 52}
